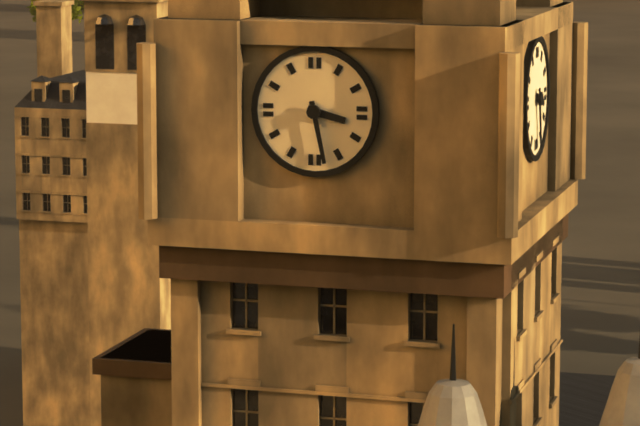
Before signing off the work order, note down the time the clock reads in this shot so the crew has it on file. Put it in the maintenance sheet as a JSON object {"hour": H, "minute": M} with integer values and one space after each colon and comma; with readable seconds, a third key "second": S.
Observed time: {"hour": 3, "minute": 28}
